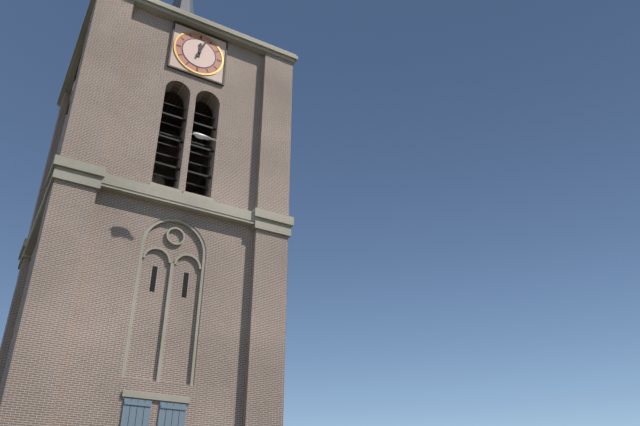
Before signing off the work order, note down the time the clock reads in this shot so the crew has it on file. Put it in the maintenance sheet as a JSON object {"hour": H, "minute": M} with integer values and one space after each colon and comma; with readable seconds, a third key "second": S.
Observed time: {"hour": 12, "minute": 3}
